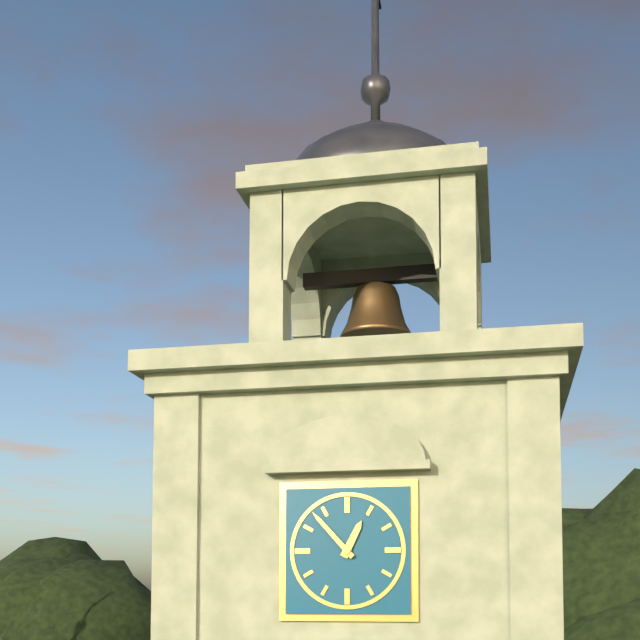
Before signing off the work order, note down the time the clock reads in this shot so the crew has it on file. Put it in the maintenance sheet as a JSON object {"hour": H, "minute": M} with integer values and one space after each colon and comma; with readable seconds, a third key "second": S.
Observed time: {"hour": 12, "minute": 53}
